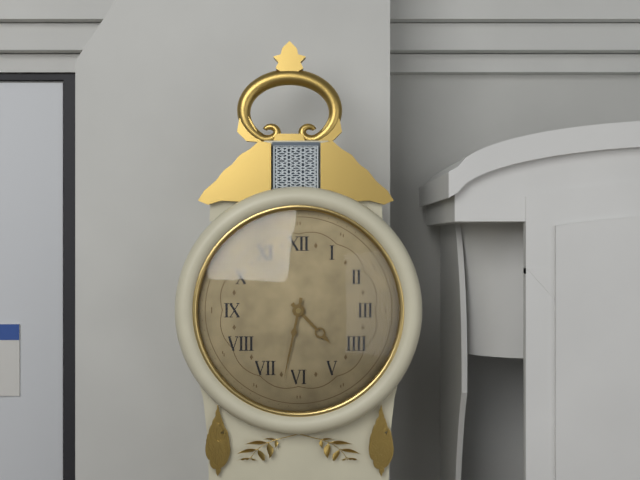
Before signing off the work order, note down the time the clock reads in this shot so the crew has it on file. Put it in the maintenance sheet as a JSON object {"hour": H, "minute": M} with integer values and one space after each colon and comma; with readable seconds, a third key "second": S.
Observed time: {"hour": 4, "minute": 32}
